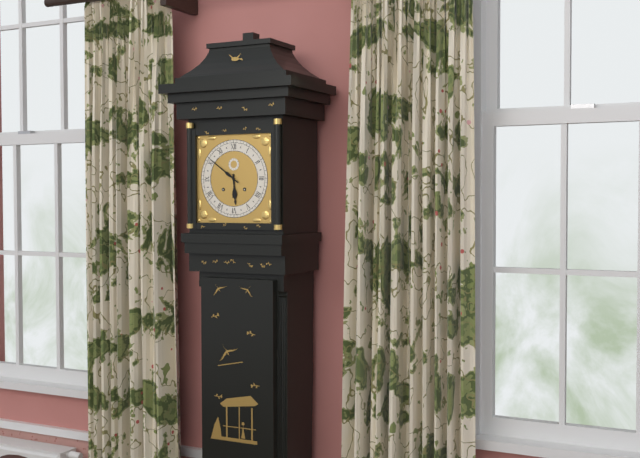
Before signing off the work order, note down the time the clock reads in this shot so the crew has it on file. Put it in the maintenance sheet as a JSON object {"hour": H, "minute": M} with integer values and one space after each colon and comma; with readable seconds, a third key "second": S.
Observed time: {"hour": 5, "minute": 51}
